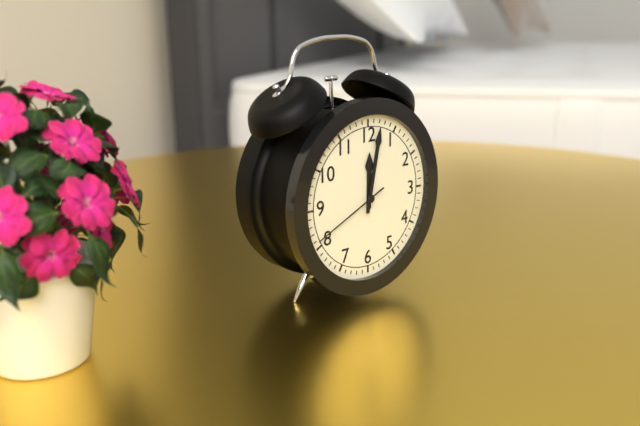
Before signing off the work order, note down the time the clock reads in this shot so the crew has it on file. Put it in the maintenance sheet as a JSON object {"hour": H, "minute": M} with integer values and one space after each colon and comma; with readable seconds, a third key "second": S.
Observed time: {"hour": 12, "minute": 2, "second": 41}
